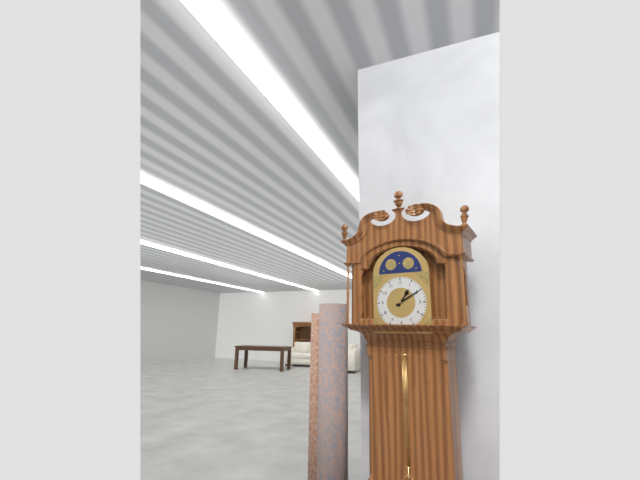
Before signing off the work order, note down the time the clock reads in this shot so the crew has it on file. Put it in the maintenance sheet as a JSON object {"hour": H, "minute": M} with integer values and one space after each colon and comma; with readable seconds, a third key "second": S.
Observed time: {"hour": 1, "minute": 10}
